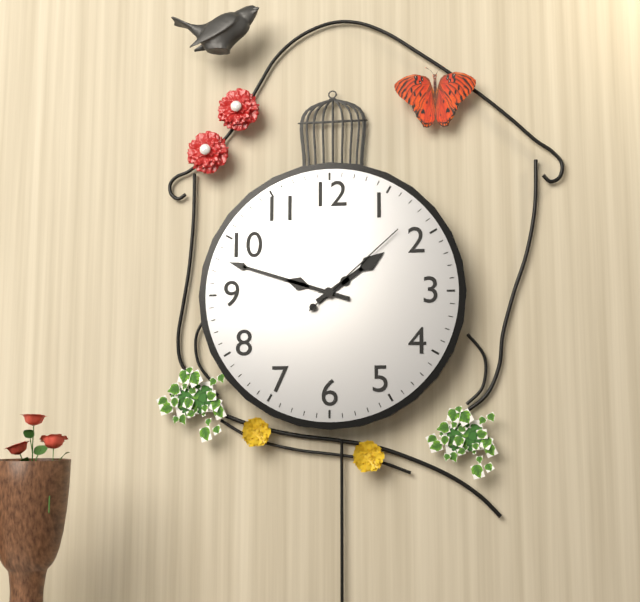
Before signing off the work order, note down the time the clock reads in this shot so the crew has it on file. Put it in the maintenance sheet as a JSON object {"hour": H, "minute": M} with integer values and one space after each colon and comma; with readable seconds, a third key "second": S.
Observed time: {"hour": 1, "minute": 48, "second": 8}
